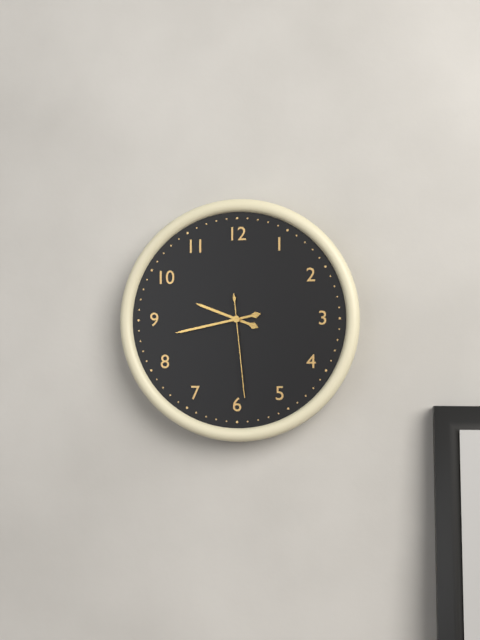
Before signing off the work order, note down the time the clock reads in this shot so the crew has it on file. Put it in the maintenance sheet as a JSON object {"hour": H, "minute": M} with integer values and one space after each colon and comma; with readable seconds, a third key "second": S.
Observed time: {"hour": 9, "minute": 43, "second": 29}
